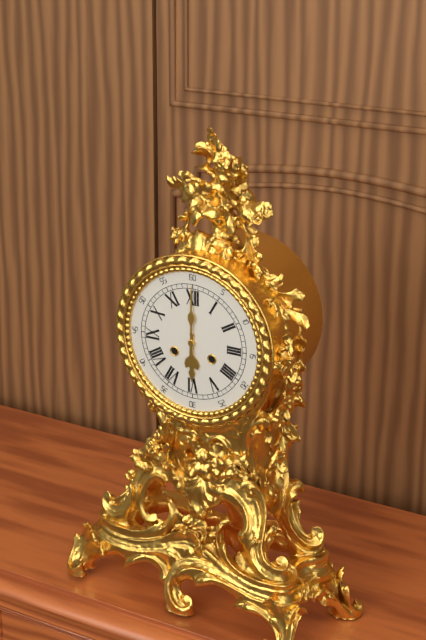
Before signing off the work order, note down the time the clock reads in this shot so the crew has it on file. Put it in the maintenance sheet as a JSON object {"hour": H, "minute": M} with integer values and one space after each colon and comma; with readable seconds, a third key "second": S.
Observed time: {"hour": 6, "minute": 0}
